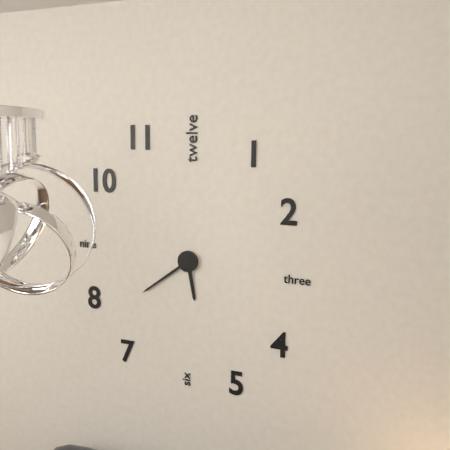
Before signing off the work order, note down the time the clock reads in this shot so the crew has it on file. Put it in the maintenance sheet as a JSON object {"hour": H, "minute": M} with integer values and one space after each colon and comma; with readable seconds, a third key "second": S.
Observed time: {"hour": 5, "minute": 39}
